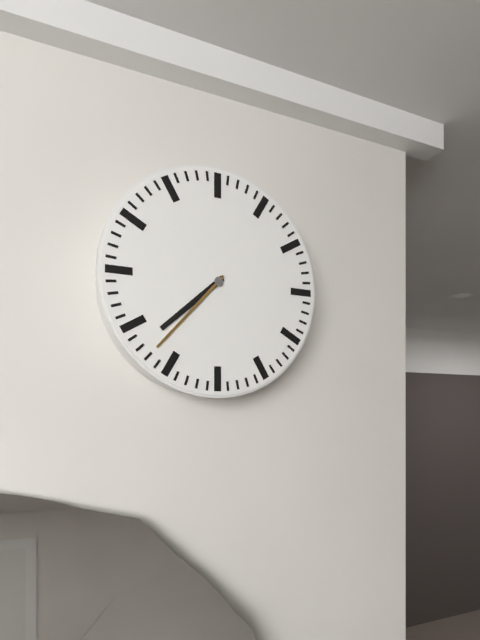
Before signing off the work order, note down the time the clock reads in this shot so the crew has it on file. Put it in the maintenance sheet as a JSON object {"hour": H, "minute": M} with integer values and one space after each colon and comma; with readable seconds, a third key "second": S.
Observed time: {"hour": 7, "minute": 37}
